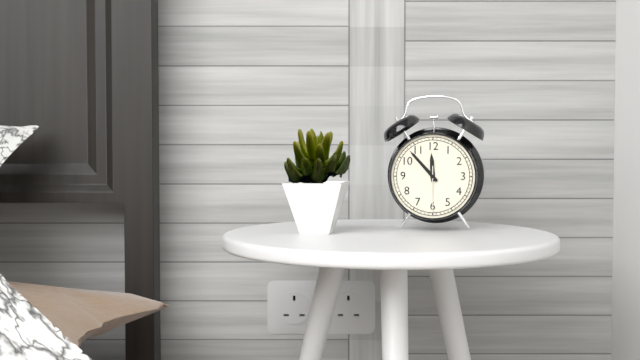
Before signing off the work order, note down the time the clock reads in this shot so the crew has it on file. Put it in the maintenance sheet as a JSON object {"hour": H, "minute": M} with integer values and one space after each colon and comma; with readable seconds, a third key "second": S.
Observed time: {"hour": 11, "minute": 53}
